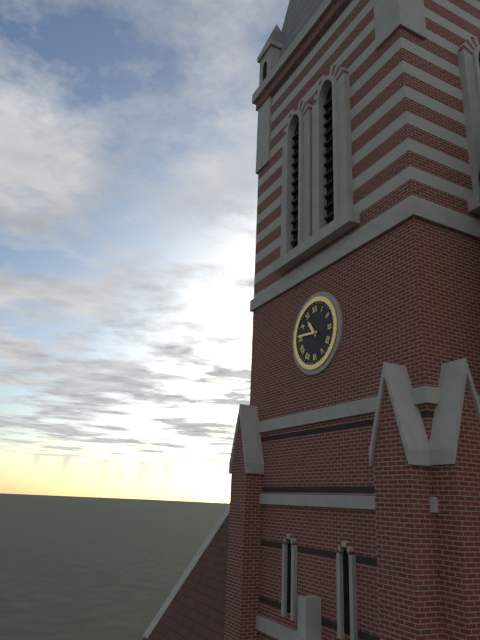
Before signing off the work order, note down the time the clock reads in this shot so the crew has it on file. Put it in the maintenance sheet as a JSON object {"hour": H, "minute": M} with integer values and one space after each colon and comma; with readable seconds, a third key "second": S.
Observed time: {"hour": 10, "minute": 46}
